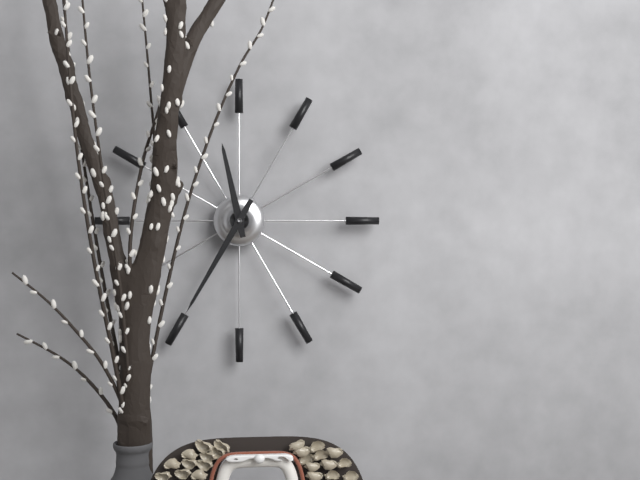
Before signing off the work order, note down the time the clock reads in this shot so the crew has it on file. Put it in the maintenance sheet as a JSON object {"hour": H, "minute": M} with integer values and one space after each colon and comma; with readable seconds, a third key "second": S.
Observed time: {"hour": 11, "minute": 35}
